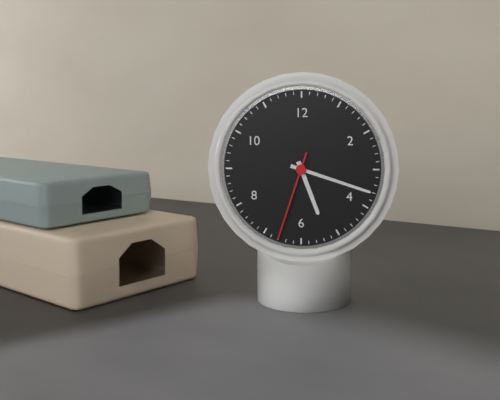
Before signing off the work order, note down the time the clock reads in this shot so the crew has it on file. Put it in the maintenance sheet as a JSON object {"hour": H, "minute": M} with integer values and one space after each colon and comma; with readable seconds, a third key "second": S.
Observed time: {"hour": 5, "minute": 18, "second": 33}
